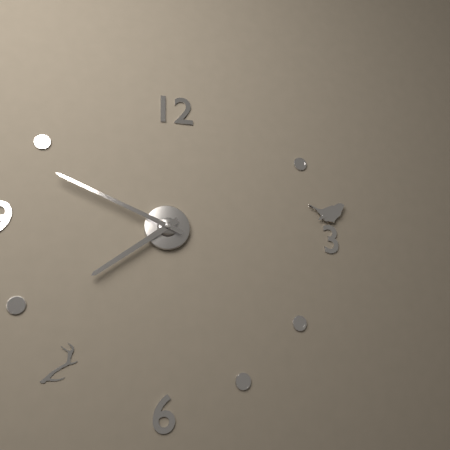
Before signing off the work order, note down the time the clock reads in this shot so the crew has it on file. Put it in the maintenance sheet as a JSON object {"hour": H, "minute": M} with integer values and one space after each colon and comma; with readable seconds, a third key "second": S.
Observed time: {"hour": 7, "minute": 49}
